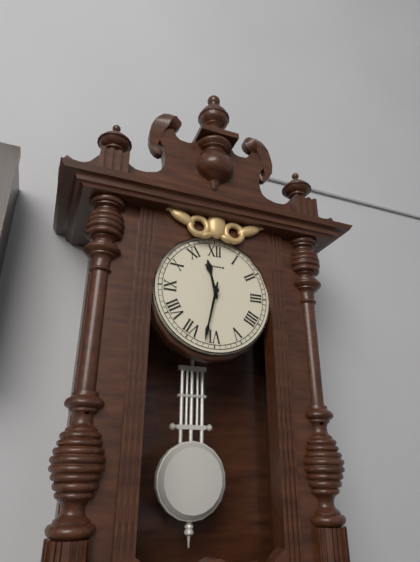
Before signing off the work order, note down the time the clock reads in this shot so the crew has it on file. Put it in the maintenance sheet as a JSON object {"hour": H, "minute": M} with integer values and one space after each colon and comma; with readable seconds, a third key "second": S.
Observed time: {"hour": 11, "minute": 32}
